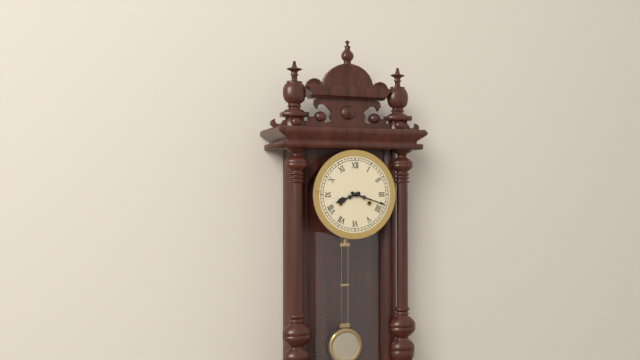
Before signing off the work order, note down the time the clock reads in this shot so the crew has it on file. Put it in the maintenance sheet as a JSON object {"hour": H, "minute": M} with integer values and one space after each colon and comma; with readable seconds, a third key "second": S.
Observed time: {"hour": 8, "minute": 18}
